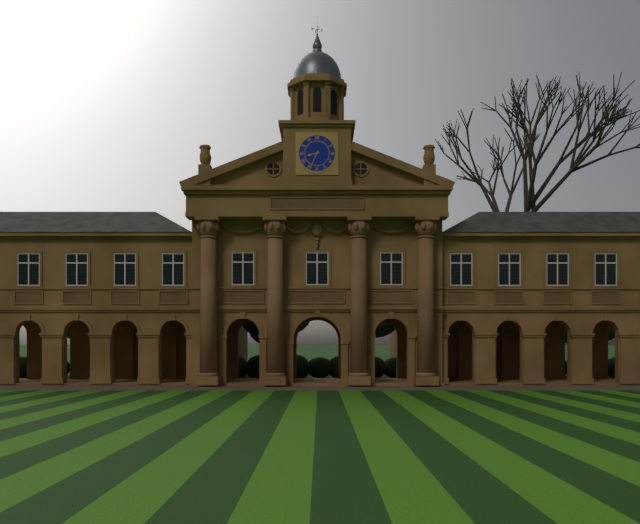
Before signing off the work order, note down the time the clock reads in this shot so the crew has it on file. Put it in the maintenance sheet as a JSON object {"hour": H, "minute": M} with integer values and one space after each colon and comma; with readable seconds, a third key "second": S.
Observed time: {"hour": 8, "minute": 34}
